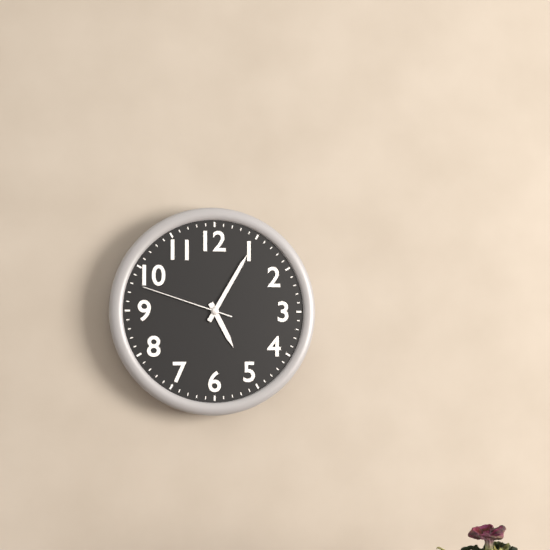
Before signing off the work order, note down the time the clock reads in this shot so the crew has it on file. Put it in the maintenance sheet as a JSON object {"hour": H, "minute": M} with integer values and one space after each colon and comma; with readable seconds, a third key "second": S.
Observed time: {"hour": 5, "minute": 5, "second": 48}
